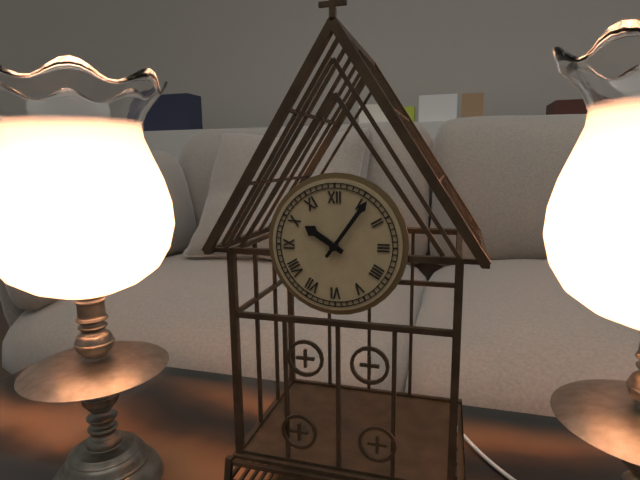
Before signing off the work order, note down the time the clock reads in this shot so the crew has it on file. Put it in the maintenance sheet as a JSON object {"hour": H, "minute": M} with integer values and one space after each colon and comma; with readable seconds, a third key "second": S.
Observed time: {"hour": 10, "minute": 6}
